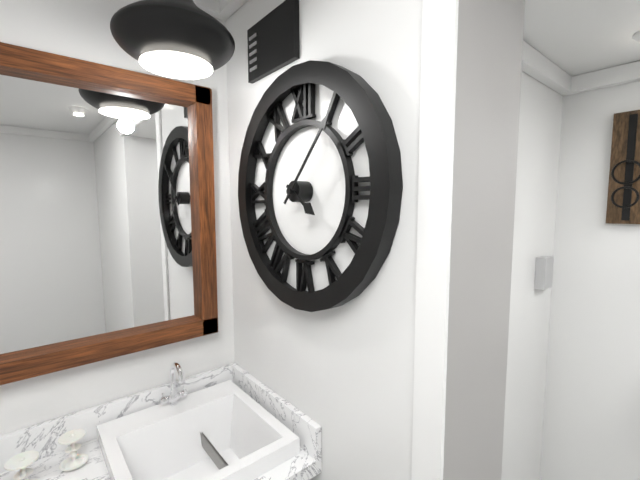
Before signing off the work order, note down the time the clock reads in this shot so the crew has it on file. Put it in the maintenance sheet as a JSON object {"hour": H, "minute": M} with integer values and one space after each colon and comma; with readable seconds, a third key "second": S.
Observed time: {"hour": 4, "minute": 7}
